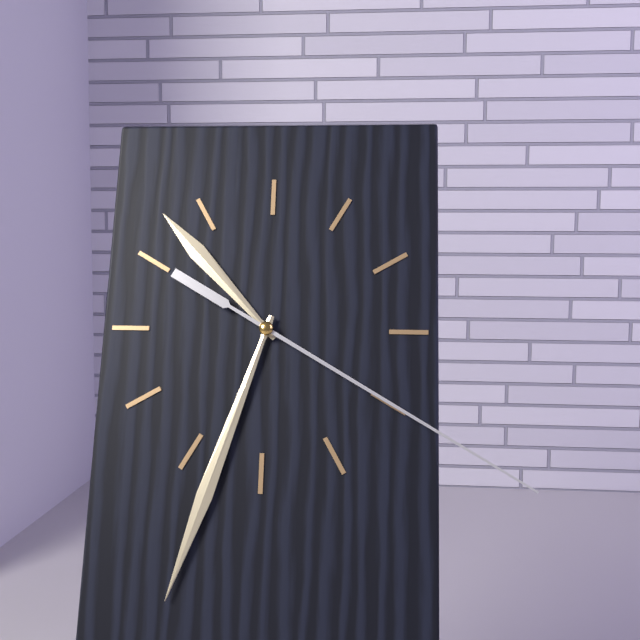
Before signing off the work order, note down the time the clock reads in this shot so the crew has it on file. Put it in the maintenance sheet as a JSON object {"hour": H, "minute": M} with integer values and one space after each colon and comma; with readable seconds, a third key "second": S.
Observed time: {"hour": 10, "minute": 33, "second": 20}
